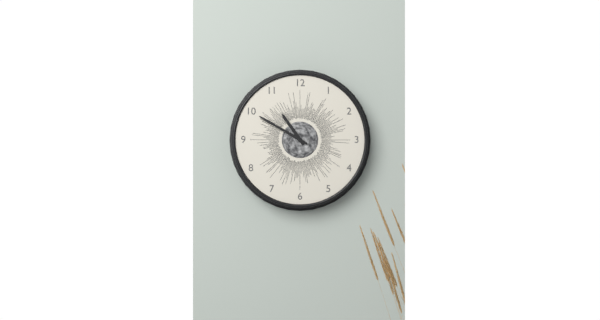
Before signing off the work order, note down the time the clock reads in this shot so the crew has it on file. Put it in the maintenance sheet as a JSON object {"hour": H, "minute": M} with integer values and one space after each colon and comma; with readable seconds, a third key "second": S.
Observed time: {"hour": 10, "minute": 50}
